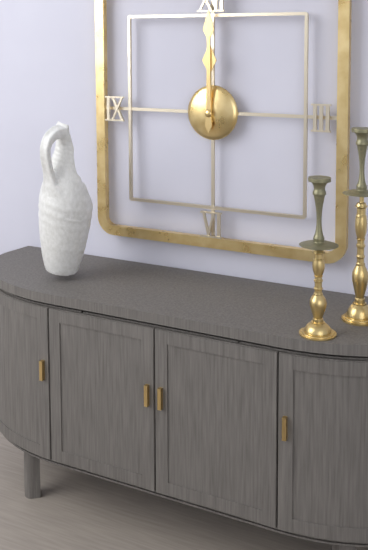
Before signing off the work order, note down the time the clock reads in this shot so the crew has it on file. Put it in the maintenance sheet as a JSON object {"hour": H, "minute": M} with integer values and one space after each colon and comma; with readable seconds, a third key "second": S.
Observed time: {"hour": 12, "minute": 0}
